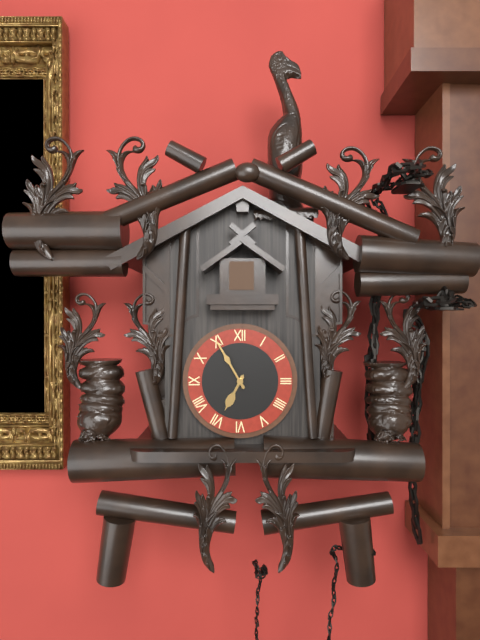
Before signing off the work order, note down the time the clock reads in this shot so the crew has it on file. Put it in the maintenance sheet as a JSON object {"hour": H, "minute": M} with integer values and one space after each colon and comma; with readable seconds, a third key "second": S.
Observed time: {"hour": 6, "minute": 55}
